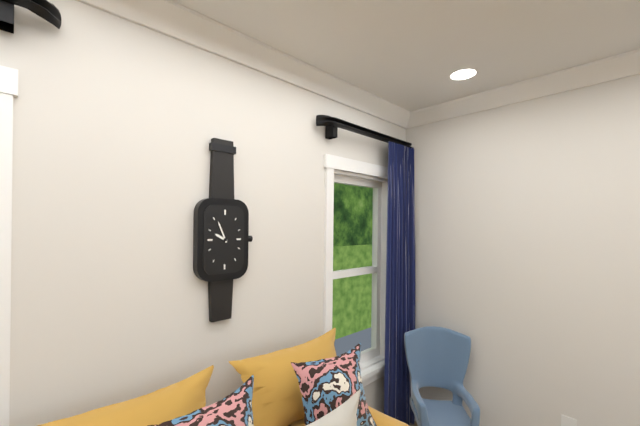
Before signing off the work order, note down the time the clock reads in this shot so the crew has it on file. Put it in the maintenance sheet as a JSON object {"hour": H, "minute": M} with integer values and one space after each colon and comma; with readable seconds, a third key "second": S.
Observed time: {"hour": 9, "minute": 56}
